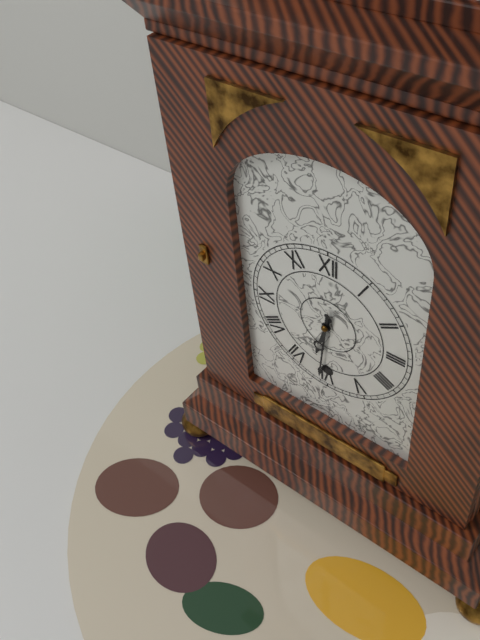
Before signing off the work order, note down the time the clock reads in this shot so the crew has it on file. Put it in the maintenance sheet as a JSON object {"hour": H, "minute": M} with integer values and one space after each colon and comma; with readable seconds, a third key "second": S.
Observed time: {"hour": 6, "minute": 31}
